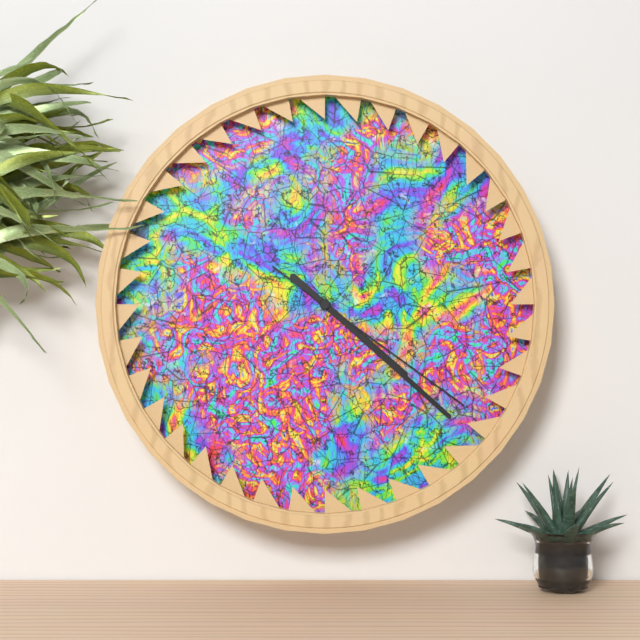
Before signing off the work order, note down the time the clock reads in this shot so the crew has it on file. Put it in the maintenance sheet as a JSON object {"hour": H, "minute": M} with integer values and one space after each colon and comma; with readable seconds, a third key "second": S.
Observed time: {"hour": 4, "minute": 22, "second": 21}
